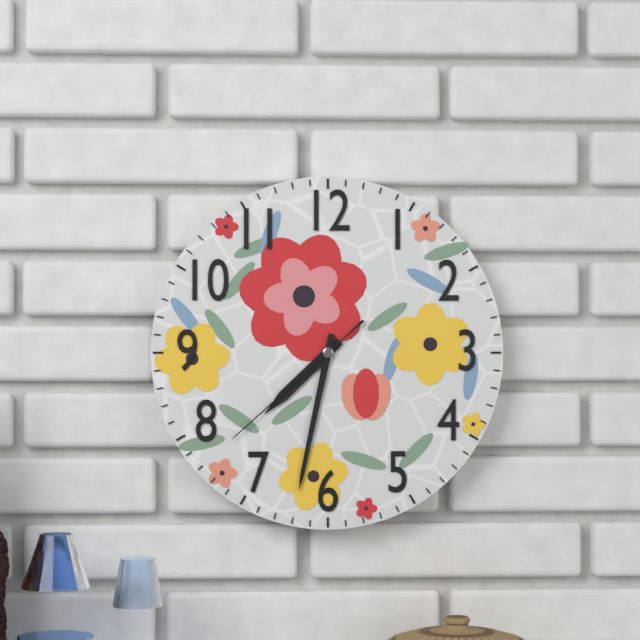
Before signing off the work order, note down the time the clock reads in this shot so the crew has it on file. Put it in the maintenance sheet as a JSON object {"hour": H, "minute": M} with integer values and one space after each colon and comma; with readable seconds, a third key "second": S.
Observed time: {"hour": 7, "minute": 32, "second": 38}
